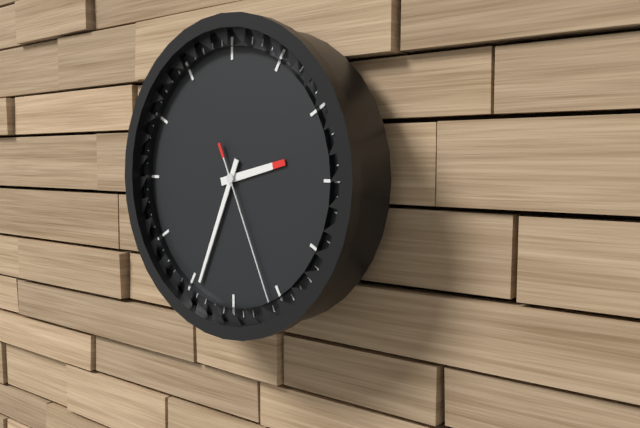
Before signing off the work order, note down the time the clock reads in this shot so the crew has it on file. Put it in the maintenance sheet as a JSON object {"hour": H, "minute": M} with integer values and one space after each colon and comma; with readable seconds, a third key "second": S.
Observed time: {"hour": 2, "minute": 34, "second": 26}
